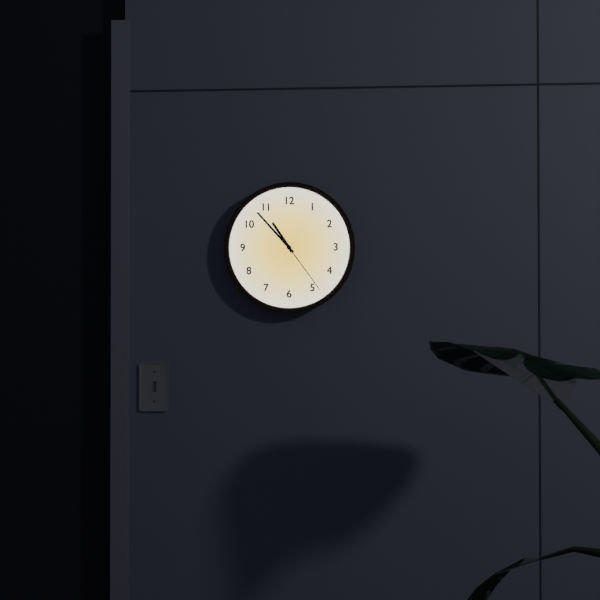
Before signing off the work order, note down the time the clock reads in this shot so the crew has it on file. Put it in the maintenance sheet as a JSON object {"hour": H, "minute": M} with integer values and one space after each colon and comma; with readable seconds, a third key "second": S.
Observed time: {"hour": 10, "minute": 53, "second": 24}
